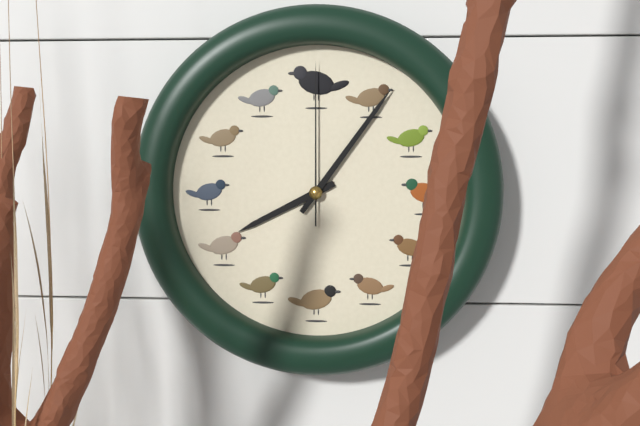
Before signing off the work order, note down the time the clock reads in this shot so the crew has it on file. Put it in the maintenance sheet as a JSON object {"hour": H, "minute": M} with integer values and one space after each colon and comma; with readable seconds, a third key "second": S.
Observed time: {"hour": 8, "minute": 6, "second": 0}
